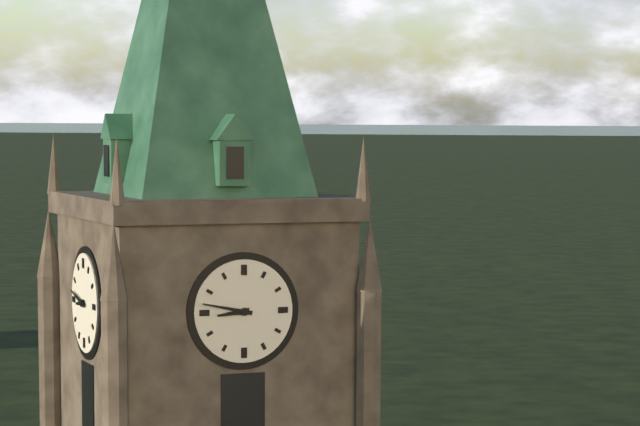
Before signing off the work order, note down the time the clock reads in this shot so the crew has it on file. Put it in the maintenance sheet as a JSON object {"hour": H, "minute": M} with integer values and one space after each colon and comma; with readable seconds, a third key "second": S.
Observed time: {"hour": 8, "minute": 47}
